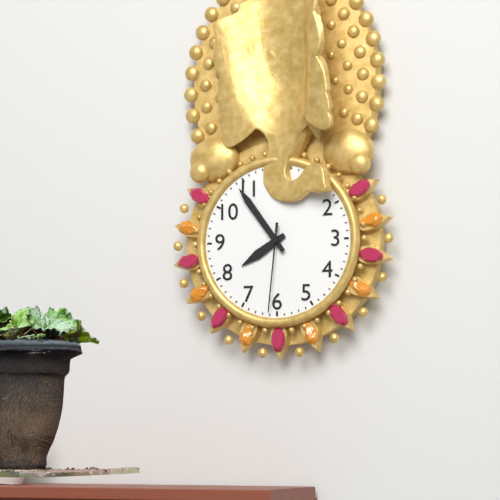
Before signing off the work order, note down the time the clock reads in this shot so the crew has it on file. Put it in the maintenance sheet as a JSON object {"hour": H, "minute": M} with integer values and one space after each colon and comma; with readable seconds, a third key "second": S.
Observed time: {"hour": 7, "minute": 54, "second": 31}
